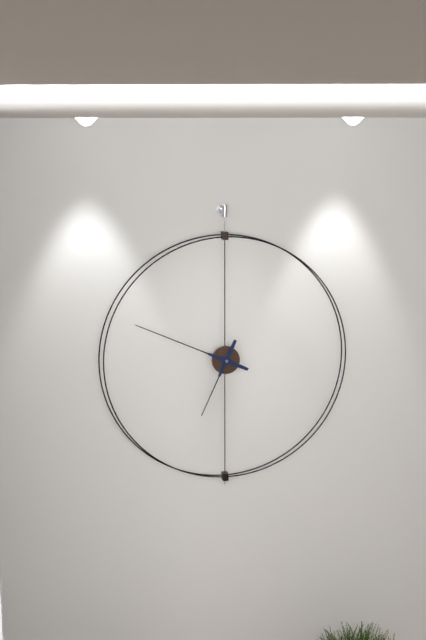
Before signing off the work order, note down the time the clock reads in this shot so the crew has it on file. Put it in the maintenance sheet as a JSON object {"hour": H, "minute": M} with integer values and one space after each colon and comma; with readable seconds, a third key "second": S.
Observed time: {"hour": 6, "minute": 49}
